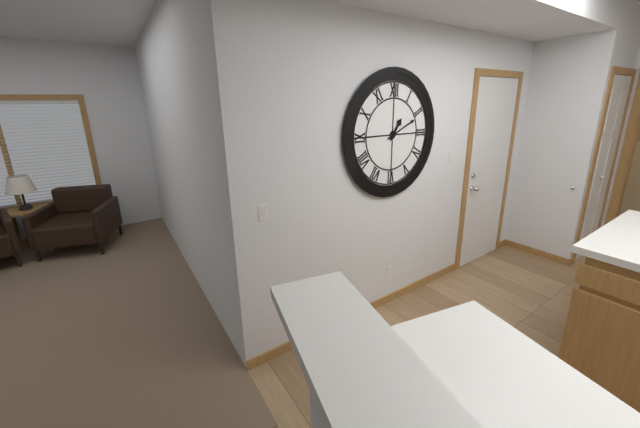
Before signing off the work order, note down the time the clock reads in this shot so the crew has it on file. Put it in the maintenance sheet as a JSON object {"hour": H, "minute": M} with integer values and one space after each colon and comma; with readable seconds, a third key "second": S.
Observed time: {"hour": 1, "minute": 11}
